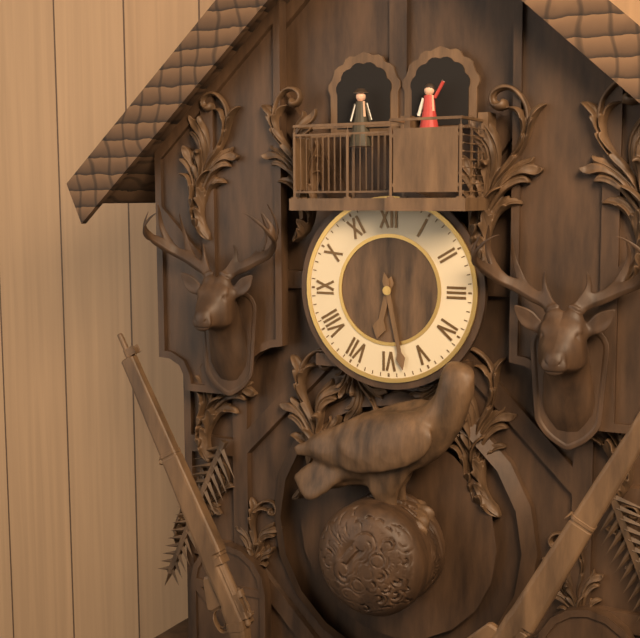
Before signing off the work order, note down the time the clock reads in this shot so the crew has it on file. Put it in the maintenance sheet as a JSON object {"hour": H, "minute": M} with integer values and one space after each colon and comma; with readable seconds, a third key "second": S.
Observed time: {"hour": 6, "minute": 28}
